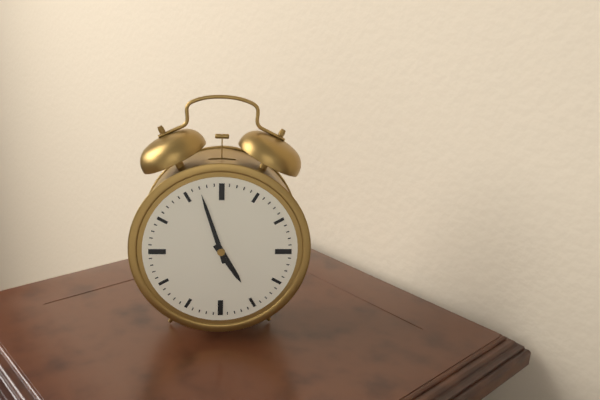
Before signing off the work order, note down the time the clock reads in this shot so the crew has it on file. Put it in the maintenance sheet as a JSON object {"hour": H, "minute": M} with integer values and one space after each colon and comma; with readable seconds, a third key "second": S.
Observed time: {"hour": 4, "minute": 57}
